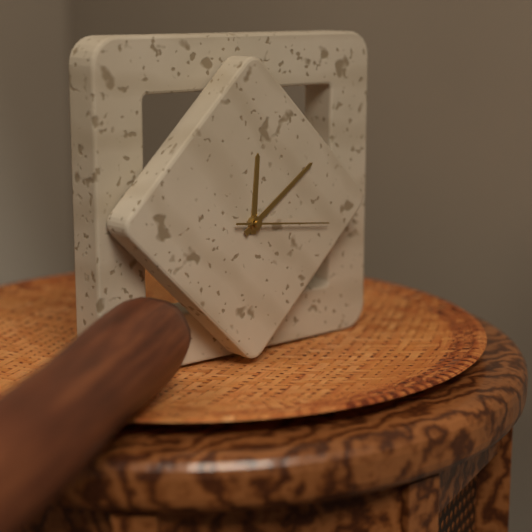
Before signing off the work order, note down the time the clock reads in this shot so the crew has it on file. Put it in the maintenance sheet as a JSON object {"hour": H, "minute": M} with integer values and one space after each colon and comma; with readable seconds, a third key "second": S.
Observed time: {"hour": 12, "minute": 9, "second": 16}
